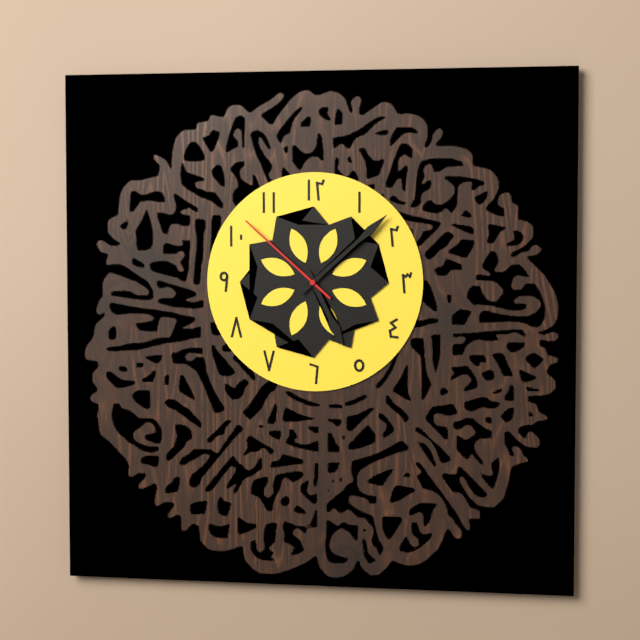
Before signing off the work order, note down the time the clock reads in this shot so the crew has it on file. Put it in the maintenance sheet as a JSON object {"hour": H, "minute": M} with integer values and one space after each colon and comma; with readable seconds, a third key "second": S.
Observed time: {"hour": 5, "minute": 8, "second": 52}
